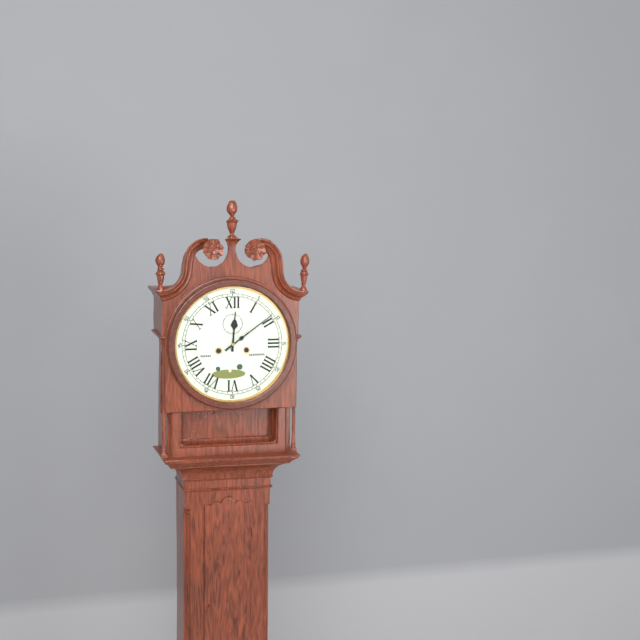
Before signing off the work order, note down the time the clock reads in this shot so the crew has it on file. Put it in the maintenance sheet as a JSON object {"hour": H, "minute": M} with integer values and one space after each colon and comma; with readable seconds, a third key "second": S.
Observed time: {"hour": 12, "minute": 9}
